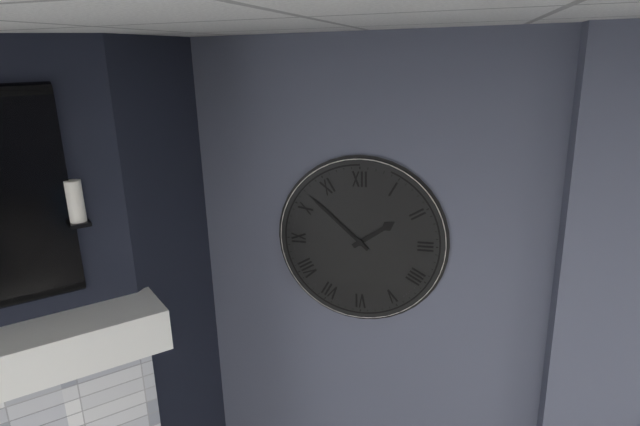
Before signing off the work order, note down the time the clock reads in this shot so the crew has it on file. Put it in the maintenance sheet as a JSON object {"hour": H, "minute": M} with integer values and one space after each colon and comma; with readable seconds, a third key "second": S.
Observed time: {"hour": 1, "minute": 52}
